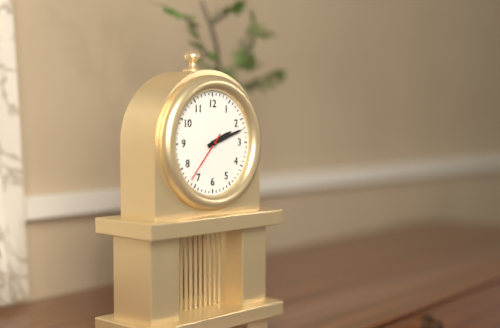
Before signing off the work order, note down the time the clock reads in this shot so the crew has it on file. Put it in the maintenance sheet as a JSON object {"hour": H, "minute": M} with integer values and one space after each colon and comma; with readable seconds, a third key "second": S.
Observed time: {"hour": 2, "minute": 12, "second": 37}
